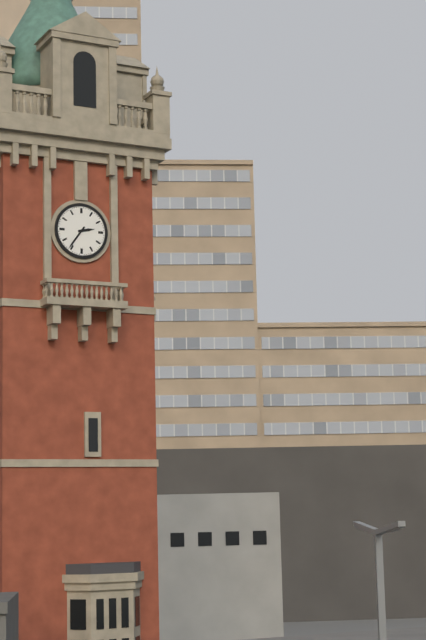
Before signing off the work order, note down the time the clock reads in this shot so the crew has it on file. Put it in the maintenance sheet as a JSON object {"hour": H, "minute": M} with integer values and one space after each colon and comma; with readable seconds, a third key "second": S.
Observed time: {"hour": 2, "minute": 36}
